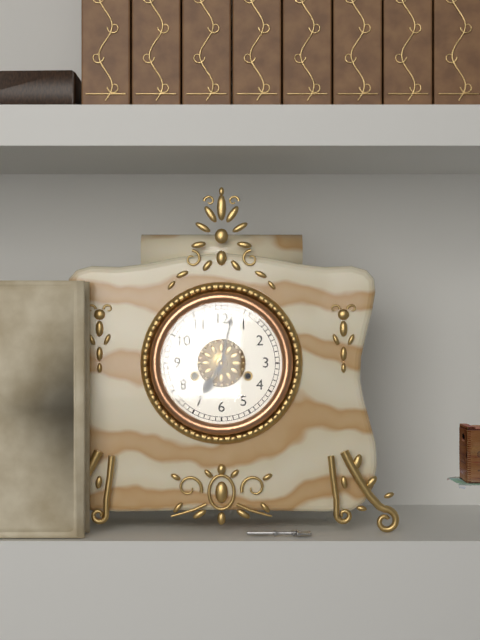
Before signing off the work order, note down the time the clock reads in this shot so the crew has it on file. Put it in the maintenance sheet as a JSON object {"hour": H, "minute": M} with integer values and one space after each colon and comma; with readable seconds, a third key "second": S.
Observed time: {"hour": 7, "minute": 2}
